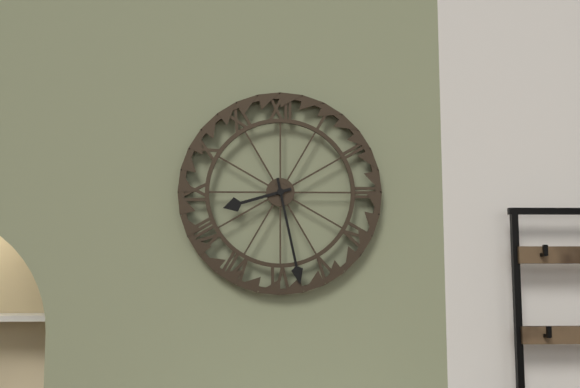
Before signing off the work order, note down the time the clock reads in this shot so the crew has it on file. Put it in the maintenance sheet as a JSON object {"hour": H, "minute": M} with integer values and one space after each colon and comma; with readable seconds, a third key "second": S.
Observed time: {"hour": 8, "minute": 28}
